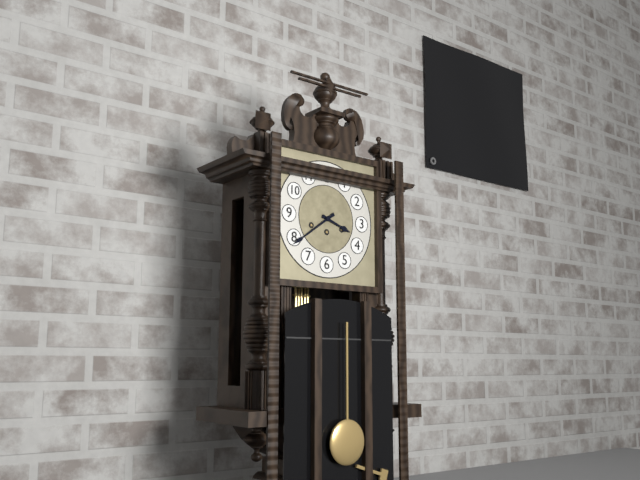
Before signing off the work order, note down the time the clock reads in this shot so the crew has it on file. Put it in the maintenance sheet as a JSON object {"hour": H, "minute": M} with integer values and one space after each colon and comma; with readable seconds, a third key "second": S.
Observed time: {"hour": 3, "minute": 39}
